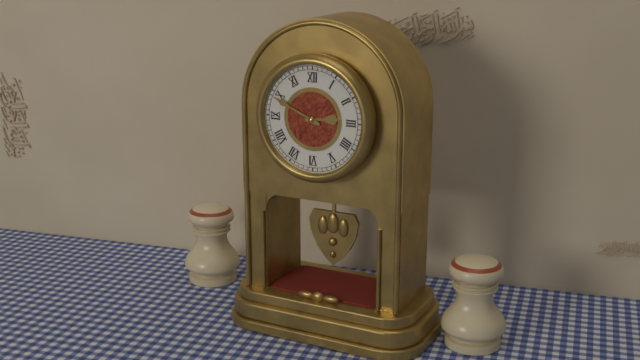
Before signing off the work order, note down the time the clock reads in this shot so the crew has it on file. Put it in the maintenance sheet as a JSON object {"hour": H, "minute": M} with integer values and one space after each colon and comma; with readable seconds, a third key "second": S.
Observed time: {"hour": 2, "minute": 49}
